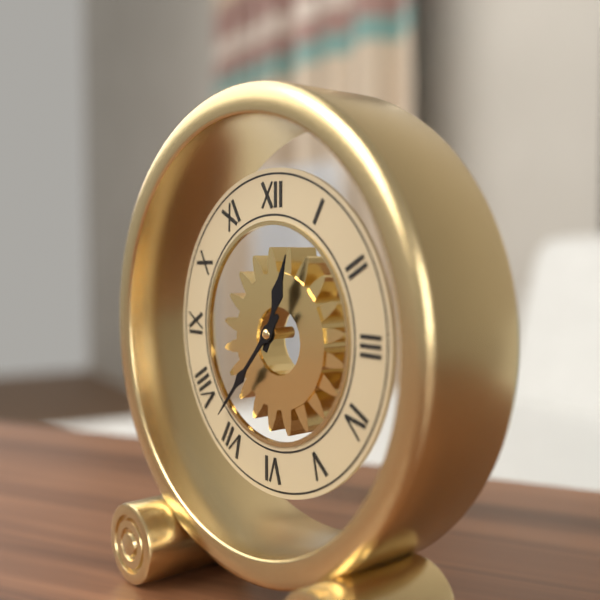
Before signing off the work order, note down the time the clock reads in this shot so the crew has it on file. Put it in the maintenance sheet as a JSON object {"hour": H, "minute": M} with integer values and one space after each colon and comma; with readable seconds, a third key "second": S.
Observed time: {"hour": 12, "minute": 37}
